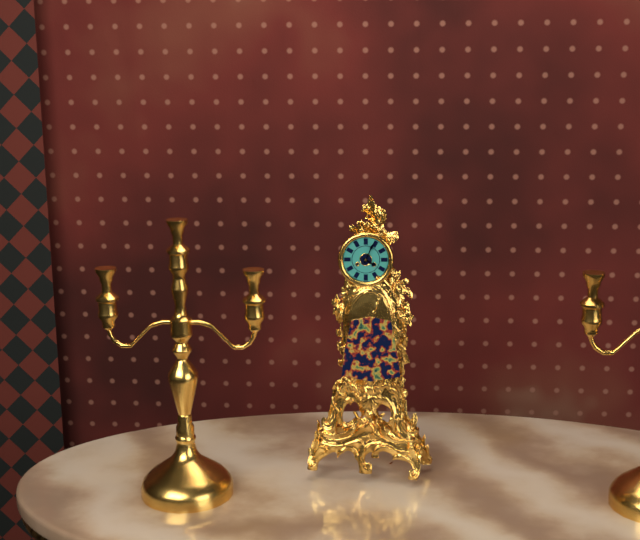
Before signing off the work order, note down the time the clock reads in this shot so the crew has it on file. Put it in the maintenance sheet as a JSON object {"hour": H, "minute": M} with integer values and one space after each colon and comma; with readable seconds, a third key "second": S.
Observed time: {"hour": 4, "minute": 4}
